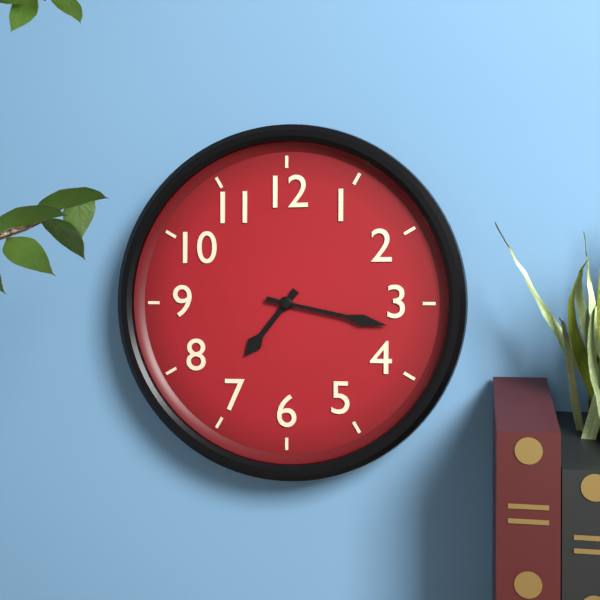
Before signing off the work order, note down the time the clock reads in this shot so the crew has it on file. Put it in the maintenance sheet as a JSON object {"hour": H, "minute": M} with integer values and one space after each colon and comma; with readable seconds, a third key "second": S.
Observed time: {"hour": 7, "minute": 17}
